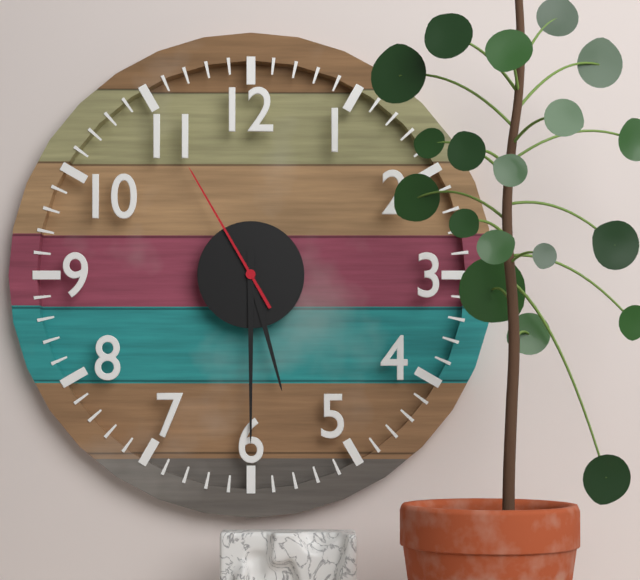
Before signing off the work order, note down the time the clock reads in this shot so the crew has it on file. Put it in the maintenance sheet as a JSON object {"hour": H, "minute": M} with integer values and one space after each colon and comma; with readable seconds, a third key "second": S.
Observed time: {"hour": 5, "minute": 30, "second": 55}
